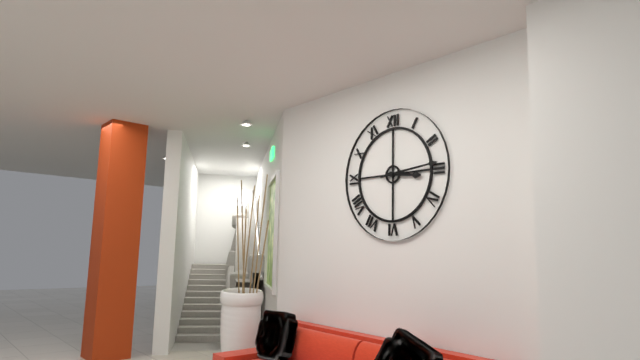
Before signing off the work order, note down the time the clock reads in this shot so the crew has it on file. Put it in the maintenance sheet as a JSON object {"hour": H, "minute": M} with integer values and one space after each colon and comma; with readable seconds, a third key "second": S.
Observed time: {"hour": 3, "minute": 14}
